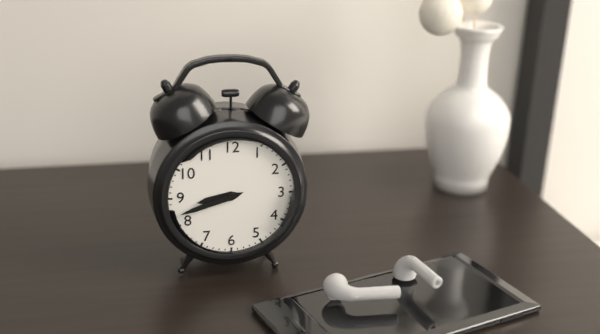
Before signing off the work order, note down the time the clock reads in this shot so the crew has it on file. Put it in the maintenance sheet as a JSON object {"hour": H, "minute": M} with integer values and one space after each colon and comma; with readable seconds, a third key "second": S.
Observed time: {"hour": 8, "minute": 42}
